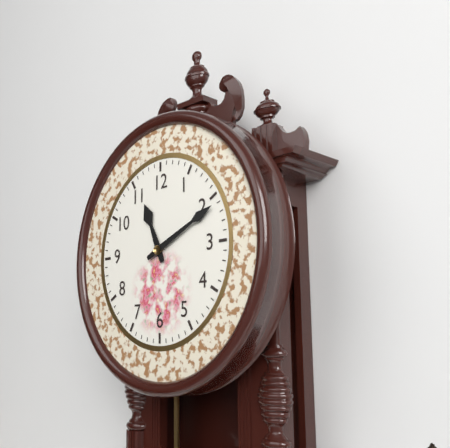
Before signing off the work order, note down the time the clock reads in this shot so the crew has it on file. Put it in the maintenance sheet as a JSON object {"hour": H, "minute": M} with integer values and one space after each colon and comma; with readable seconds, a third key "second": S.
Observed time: {"hour": 11, "minute": 11}
